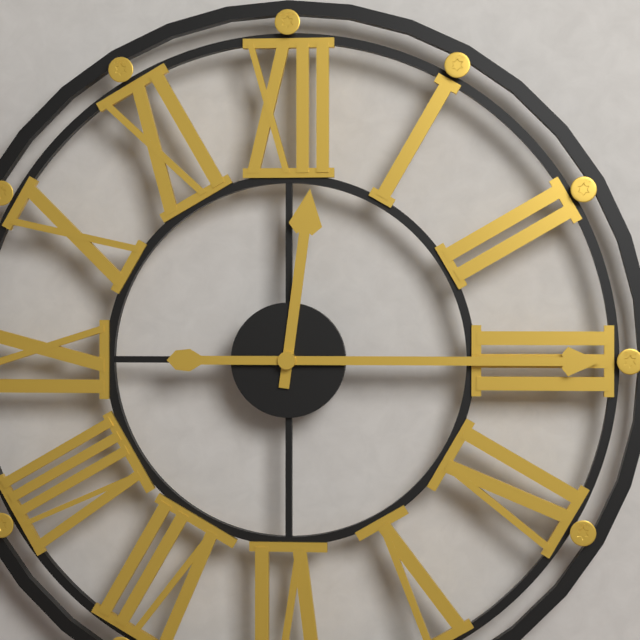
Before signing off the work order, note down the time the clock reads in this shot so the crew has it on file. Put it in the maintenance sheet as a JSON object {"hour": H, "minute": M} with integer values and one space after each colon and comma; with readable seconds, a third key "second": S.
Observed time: {"hour": 12, "minute": 15}
